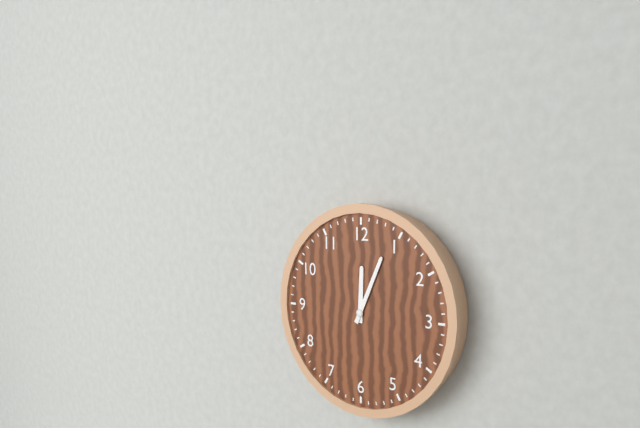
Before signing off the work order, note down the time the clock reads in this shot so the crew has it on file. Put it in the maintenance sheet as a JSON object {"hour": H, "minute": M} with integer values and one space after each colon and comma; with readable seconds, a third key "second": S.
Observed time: {"hour": 12, "minute": 4}
